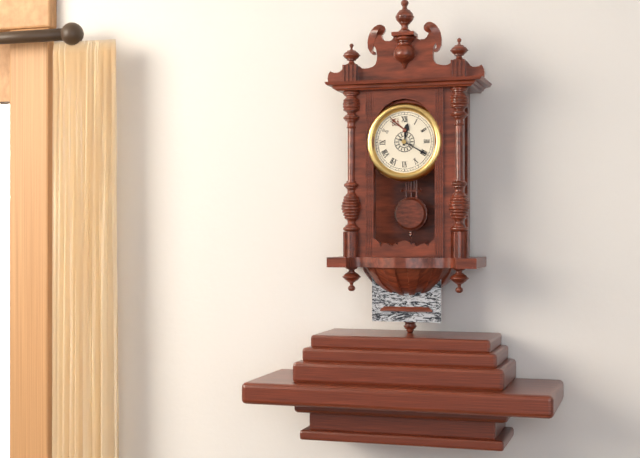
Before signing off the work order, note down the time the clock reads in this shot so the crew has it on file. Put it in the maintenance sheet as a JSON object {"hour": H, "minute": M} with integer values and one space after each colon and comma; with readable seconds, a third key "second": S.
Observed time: {"hour": 12, "minute": 20}
